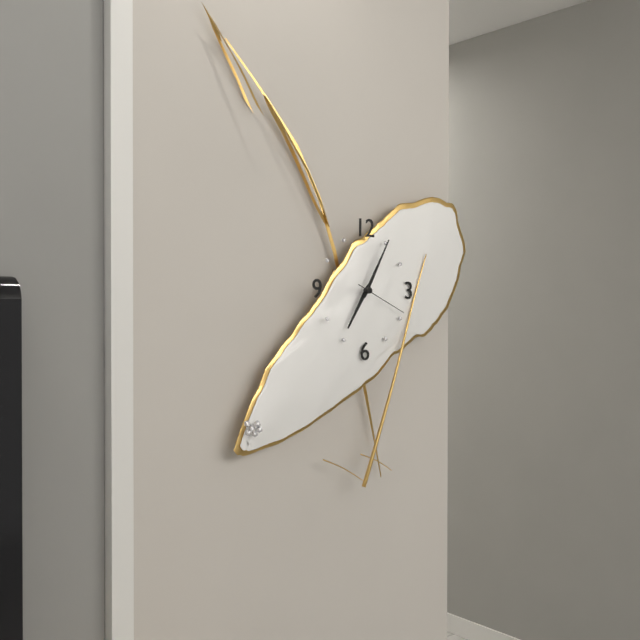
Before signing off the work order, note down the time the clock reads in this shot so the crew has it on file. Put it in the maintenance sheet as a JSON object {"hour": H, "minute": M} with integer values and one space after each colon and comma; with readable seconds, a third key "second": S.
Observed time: {"hour": 7, "minute": 5, "second": 19}
